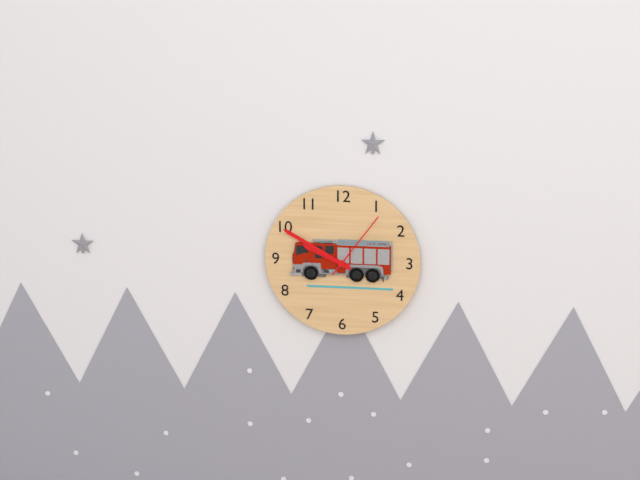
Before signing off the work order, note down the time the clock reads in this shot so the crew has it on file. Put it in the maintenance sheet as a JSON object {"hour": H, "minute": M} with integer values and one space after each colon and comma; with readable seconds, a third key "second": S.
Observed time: {"hour": 9, "minute": 50, "second": 6}
